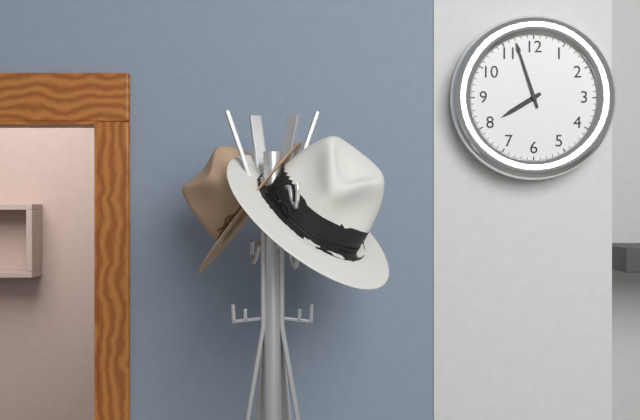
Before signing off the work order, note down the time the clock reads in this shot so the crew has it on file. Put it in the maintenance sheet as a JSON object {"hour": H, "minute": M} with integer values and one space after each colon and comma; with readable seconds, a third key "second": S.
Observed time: {"hour": 7, "minute": 57}
